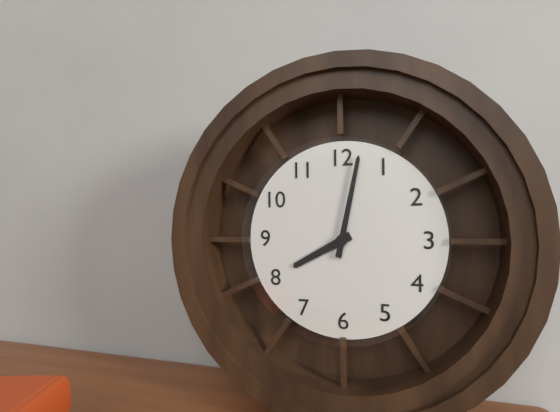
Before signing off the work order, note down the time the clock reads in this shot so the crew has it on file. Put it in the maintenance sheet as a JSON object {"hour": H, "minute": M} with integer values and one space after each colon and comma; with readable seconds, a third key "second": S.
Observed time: {"hour": 8, "minute": 2}
